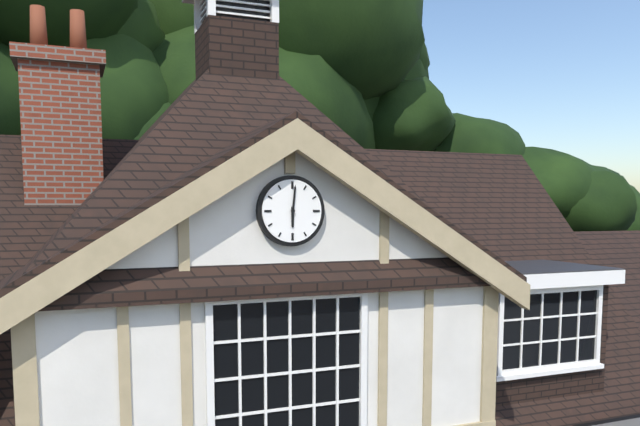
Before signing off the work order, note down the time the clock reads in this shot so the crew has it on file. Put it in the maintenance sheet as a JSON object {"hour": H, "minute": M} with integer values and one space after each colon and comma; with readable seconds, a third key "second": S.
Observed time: {"hour": 6, "minute": 1}
